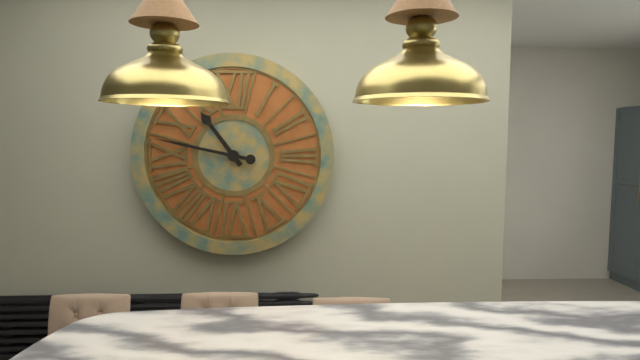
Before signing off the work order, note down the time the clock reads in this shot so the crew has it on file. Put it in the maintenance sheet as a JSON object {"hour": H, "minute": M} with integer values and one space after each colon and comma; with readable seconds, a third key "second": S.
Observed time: {"hour": 10, "minute": 47}
